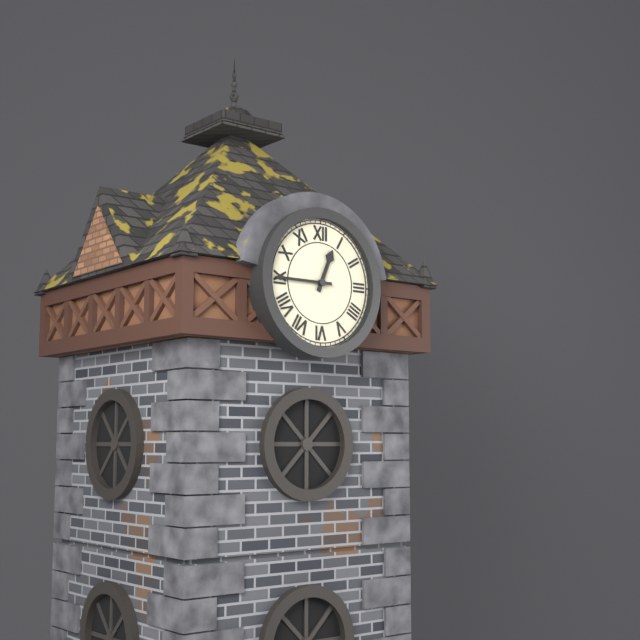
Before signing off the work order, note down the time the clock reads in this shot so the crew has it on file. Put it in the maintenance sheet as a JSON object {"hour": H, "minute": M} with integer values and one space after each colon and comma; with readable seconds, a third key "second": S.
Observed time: {"hour": 12, "minute": 45}
